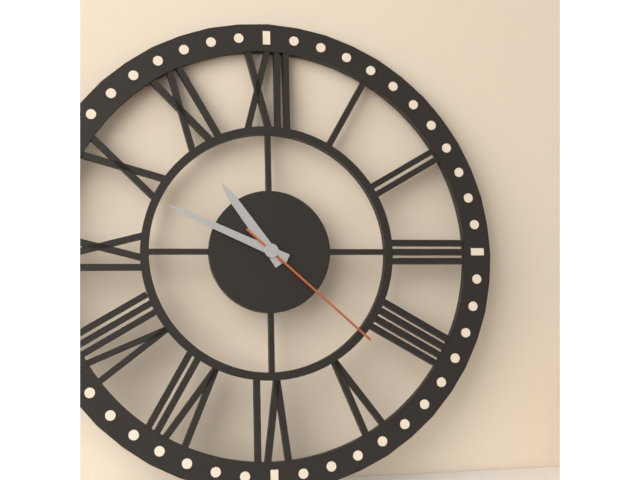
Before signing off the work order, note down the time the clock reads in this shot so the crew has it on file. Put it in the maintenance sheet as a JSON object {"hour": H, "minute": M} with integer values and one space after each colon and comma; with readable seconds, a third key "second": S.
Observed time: {"hour": 10, "minute": 49, "second": 22}
